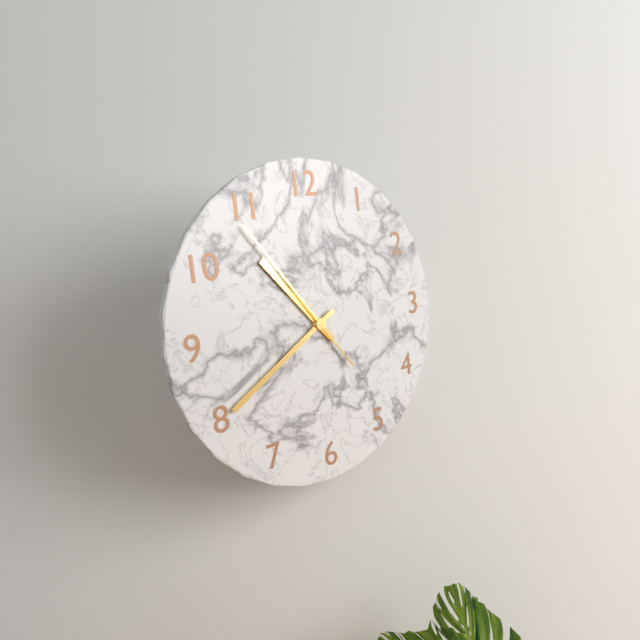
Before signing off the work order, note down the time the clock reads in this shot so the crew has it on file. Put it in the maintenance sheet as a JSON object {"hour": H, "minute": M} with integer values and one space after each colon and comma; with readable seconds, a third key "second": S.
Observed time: {"hour": 10, "minute": 40, "second": 54}
